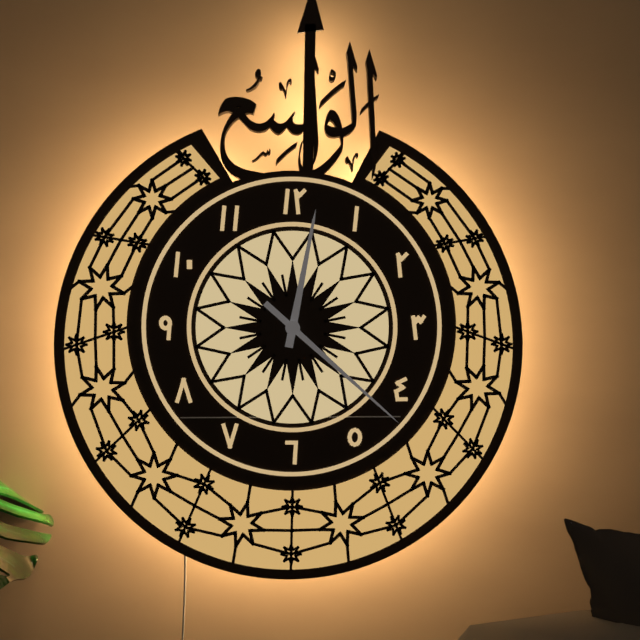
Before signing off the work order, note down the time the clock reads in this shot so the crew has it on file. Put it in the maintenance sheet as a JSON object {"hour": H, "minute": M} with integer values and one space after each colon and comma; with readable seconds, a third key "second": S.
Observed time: {"hour": 12, "minute": 22}
